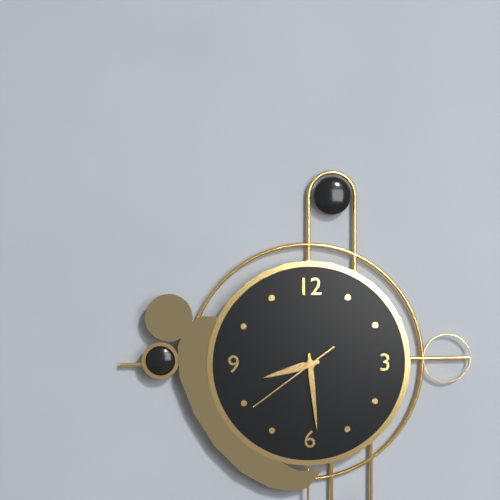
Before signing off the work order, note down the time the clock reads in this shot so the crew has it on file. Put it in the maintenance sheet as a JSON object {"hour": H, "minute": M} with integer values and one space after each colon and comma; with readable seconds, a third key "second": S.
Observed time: {"hour": 8, "minute": 29, "second": 39}
